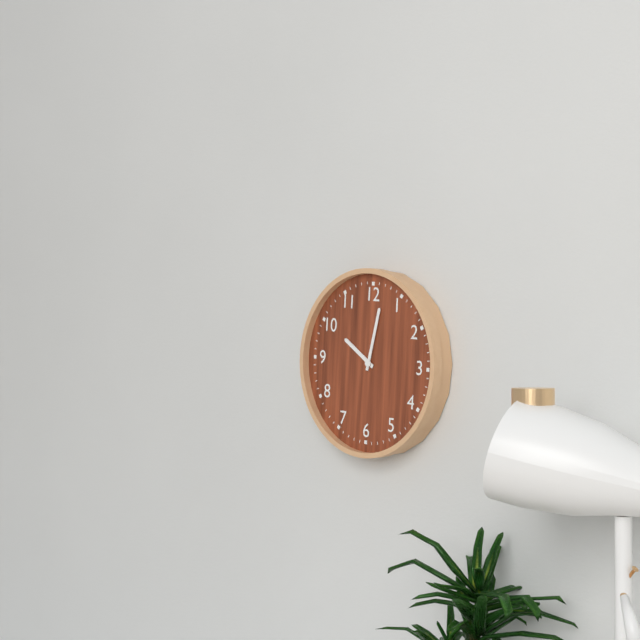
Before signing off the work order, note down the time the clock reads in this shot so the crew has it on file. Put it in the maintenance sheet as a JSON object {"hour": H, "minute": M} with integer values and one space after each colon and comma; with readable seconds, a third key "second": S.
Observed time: {"hour": 10, "minute": 2}
